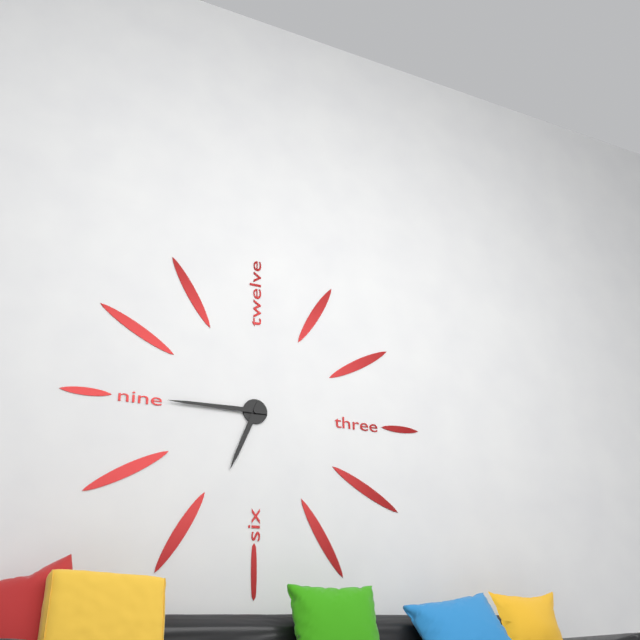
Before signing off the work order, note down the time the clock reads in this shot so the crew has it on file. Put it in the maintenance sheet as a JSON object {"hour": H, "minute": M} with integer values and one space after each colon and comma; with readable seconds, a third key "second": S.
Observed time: {"hour": 6, "minute": 45}
